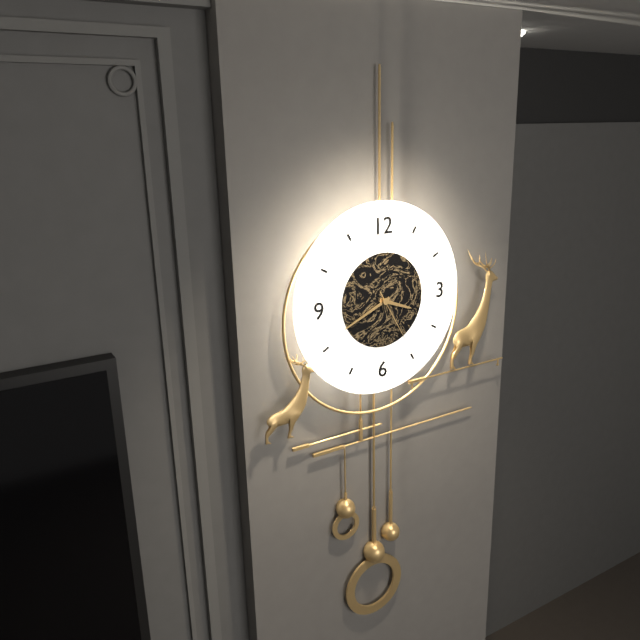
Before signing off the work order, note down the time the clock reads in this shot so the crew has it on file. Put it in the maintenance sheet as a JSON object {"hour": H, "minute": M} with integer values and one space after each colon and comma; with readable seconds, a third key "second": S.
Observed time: {"hour": 3, "minute": 41, "second": 25}
